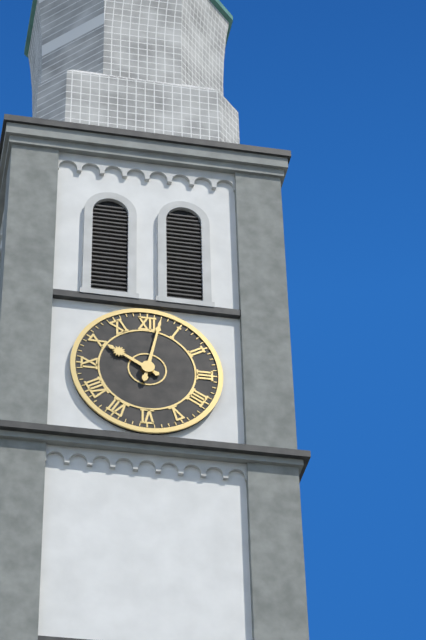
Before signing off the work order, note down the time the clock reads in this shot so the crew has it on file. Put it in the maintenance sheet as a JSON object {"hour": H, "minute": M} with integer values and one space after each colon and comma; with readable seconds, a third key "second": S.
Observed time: {"hour": 10, "minute": 2}
